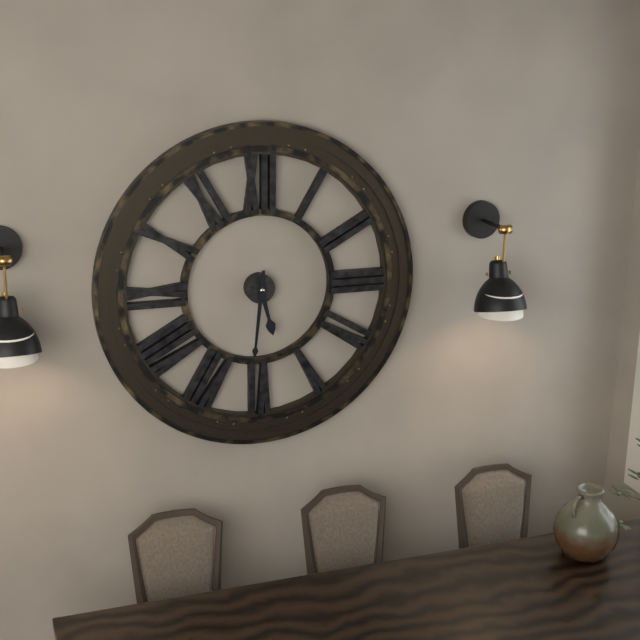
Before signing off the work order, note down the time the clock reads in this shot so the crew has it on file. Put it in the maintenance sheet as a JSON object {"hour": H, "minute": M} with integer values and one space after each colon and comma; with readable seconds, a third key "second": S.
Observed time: {"hour": 5, "minute": 31}
